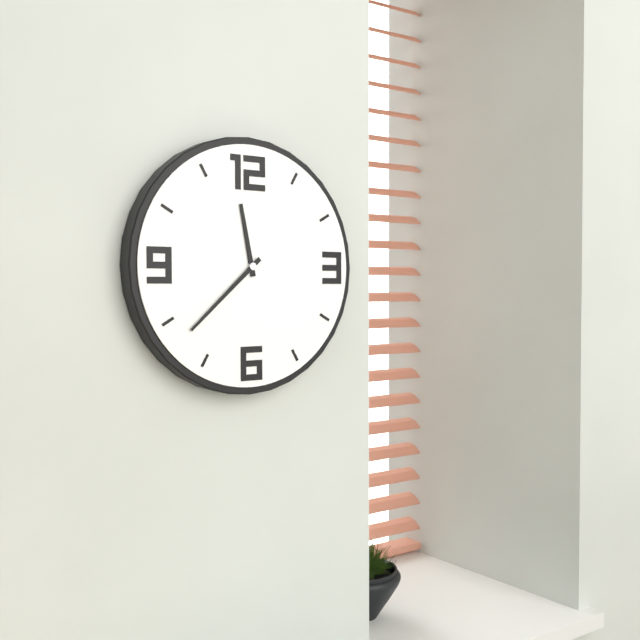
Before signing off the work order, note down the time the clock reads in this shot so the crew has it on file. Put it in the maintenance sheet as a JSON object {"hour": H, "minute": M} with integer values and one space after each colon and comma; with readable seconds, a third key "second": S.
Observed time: {"hour": 11, "minute": 38}
